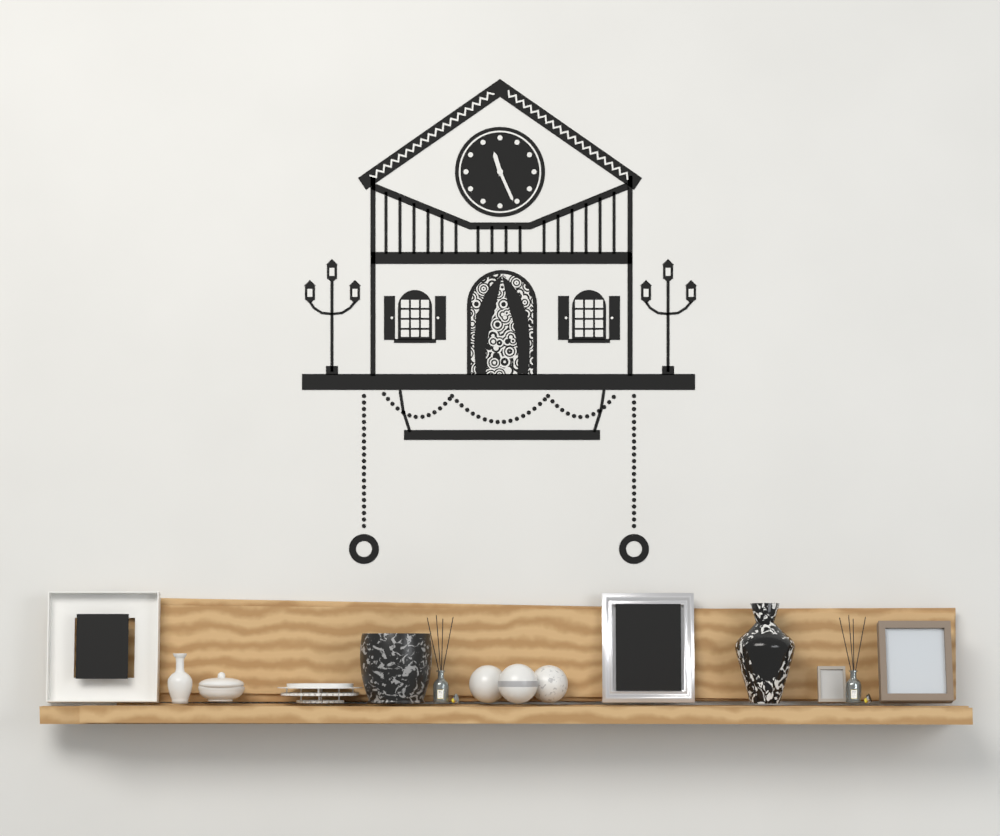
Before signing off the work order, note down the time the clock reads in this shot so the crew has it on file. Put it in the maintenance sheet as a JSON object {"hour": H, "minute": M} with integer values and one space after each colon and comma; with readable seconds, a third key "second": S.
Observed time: {"hour": 11, "minute": 26}
